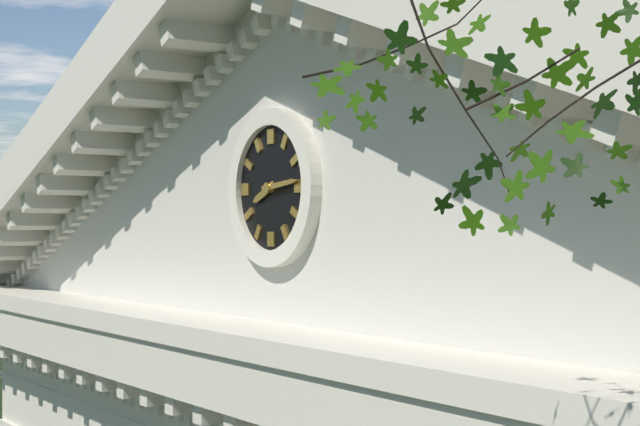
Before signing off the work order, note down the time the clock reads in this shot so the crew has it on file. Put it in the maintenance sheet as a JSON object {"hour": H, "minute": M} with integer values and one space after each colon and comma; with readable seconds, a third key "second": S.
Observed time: {"hour": 8, "minute": 14}
